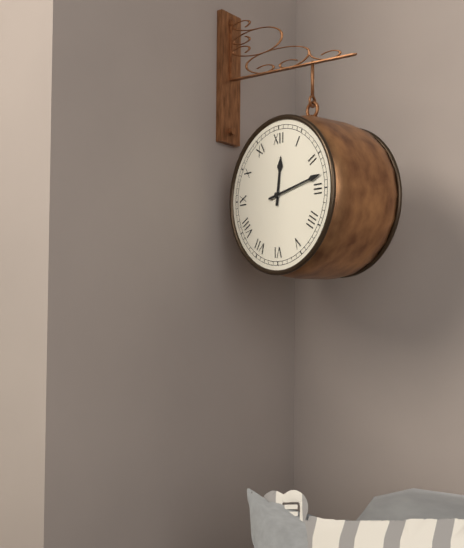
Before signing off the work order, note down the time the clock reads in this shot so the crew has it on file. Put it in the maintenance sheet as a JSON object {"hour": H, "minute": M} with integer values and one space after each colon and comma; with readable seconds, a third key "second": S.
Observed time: {"hour": 12, "minute": 13}
